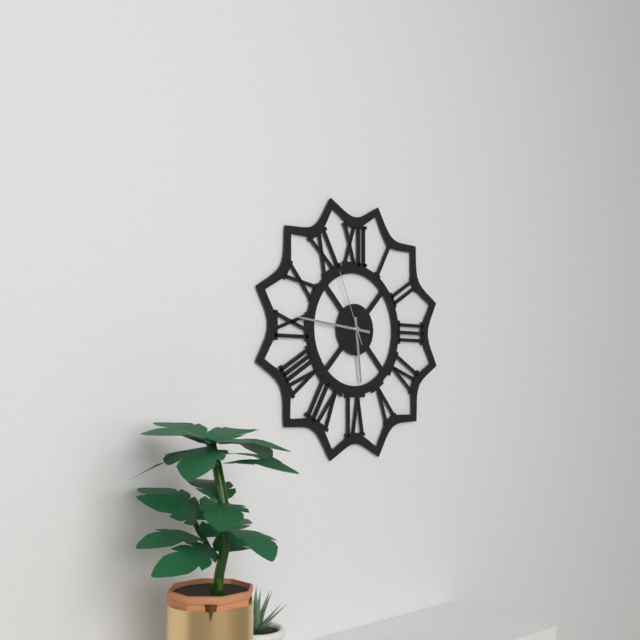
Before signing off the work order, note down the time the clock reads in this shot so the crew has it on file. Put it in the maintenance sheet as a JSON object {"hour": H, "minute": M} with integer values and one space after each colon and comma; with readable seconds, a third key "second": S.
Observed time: {"hour": 5, "minute": 46, "second": 56}
